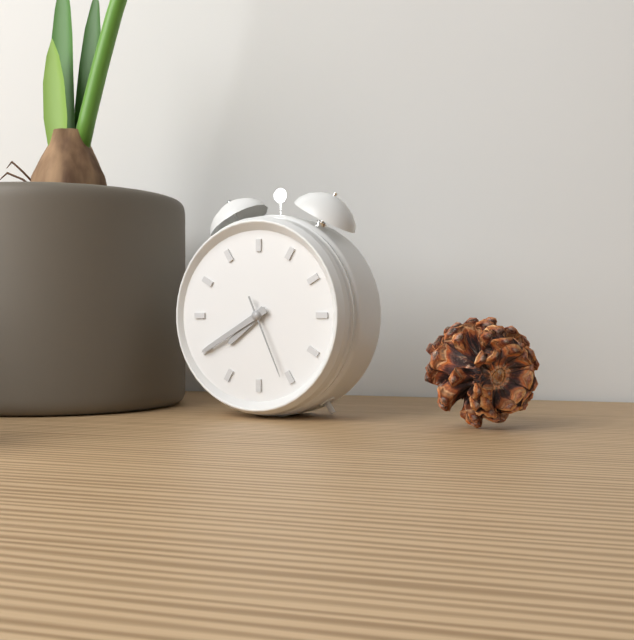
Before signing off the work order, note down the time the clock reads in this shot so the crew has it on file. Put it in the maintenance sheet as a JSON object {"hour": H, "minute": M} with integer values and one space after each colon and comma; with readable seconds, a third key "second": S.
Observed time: {"hour": 7, "minute": 40, "second": 26}
